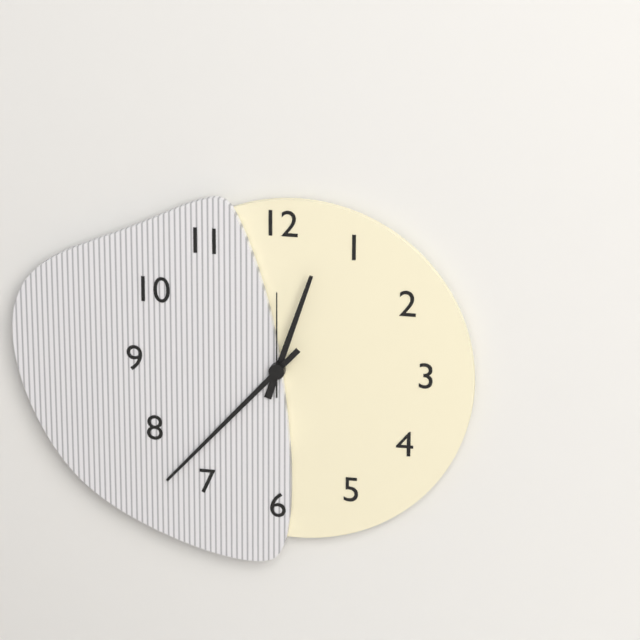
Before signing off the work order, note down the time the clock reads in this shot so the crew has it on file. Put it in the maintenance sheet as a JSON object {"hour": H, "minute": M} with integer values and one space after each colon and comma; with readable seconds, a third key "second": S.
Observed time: {"hour": 12, "minute": 37, "second": 0}
